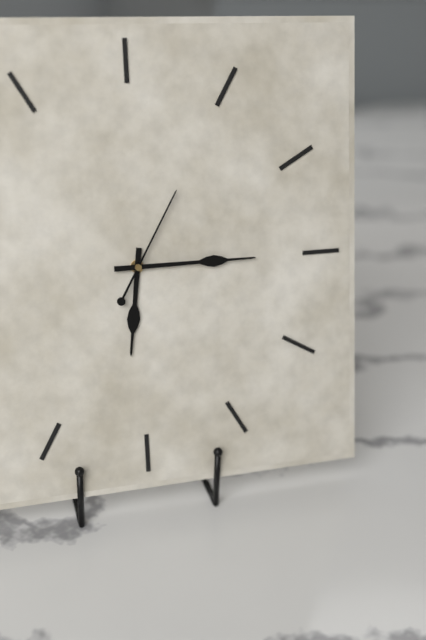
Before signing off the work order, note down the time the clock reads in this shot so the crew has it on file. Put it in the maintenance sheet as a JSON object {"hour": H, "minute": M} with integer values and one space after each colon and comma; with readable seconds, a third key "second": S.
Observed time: {"hour": 6, "minute": 15, "second": 5}
